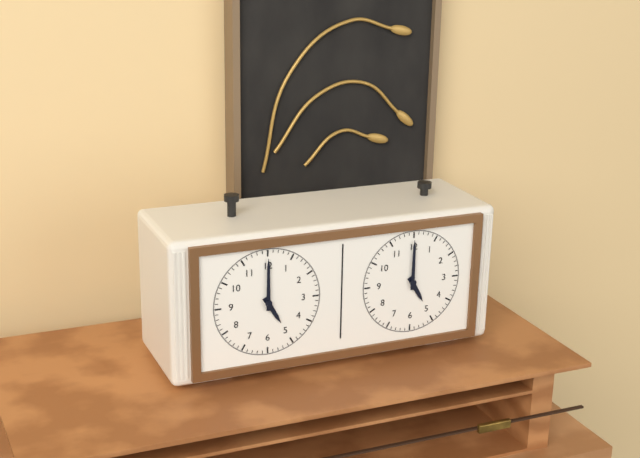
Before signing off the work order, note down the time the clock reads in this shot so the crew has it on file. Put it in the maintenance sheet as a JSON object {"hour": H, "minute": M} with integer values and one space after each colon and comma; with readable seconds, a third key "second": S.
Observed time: {"hour": 5, "minute": 0}
